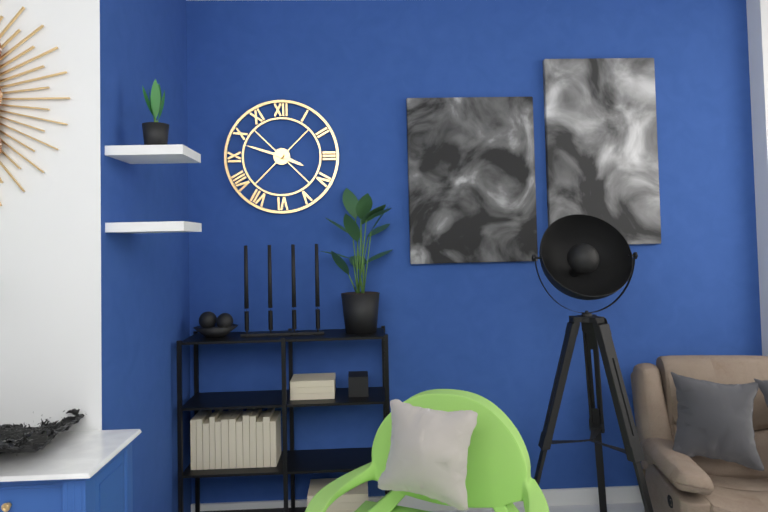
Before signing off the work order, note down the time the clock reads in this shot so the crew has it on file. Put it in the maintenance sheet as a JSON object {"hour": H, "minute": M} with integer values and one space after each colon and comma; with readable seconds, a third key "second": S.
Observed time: {"hour": 3, "minute": 48}
